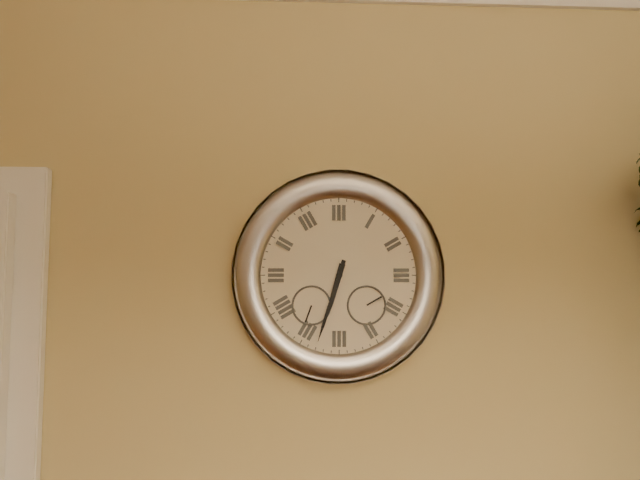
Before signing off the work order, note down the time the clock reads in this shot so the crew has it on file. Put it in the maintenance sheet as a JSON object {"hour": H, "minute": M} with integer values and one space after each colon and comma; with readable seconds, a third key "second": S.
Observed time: {"hour": 6, "minute": 33}
